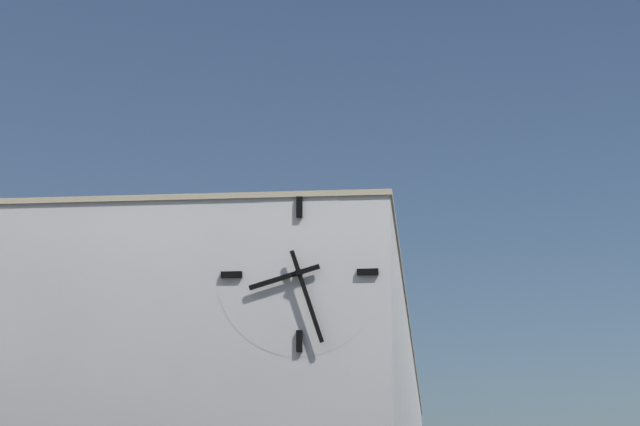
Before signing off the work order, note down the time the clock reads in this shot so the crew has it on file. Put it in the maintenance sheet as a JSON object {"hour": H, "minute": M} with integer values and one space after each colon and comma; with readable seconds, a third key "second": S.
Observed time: {"hour": 8, "minute": 27}
